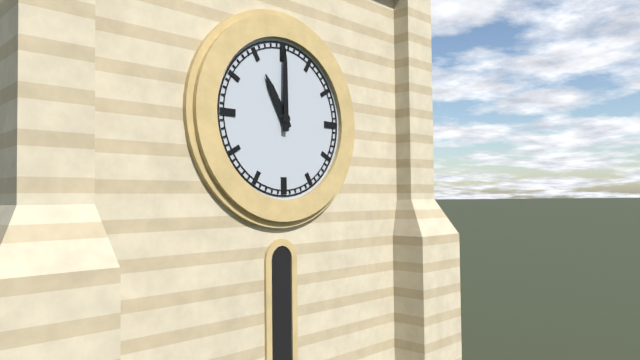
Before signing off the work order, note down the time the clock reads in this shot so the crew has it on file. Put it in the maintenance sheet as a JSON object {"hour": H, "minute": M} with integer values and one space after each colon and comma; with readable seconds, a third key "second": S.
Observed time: {"hour": 11, "minute": 0}
